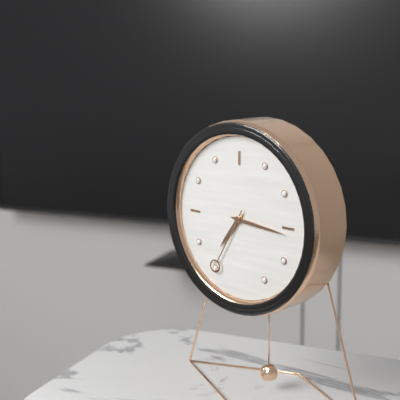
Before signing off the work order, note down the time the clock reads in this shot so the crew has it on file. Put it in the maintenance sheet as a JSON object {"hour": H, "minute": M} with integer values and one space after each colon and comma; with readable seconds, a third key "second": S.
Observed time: {"hour": 7, "minute": 16, "second": 35}
